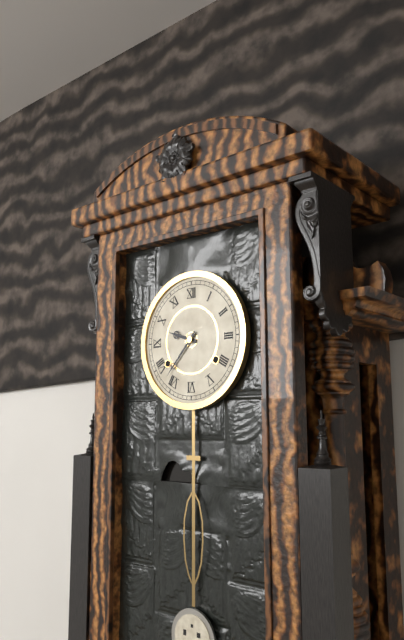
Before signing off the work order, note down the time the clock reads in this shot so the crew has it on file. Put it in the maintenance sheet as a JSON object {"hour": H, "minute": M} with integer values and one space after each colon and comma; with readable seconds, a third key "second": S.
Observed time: {"hour": 9, "minute": 37}
